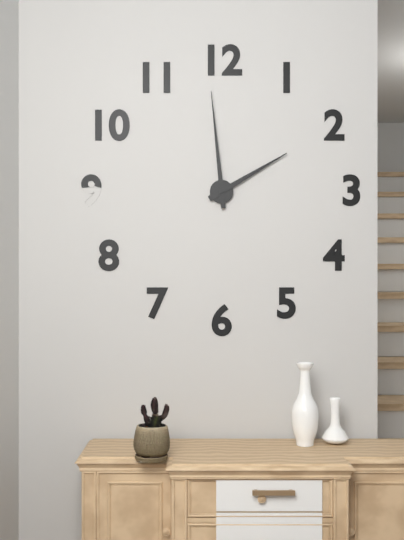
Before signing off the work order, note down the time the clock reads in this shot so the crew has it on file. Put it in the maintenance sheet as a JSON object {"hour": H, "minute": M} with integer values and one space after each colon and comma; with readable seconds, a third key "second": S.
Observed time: {"hour": 1, "minute": 59}
